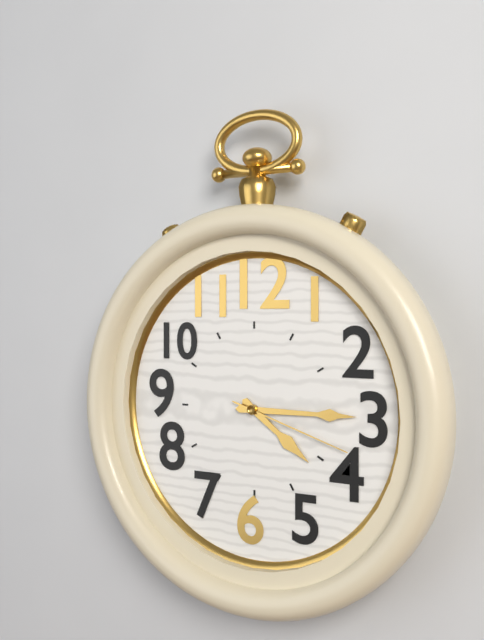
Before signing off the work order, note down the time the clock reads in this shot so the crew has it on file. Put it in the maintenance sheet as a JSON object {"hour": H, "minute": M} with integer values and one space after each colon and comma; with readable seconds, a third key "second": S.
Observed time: {"hour": 4, "minute": 15, "second": 18}
